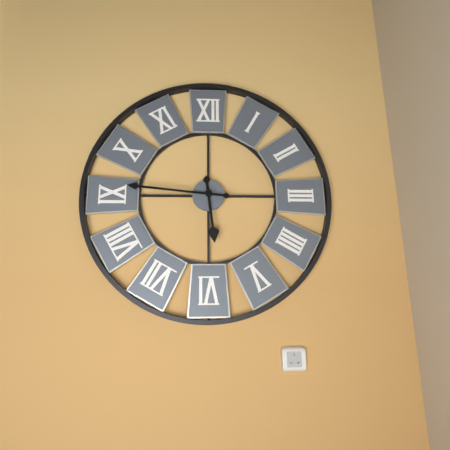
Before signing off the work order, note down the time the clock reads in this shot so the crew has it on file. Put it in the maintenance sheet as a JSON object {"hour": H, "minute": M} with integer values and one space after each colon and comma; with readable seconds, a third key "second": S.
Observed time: {"hour": 5, "minute": 46}
